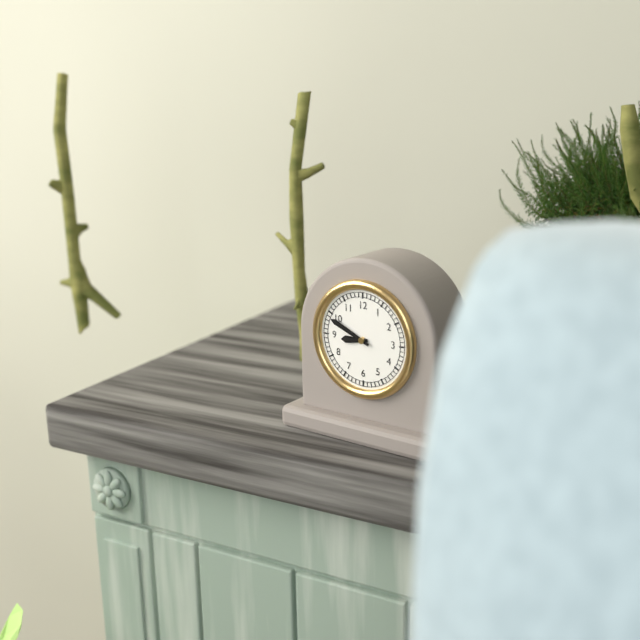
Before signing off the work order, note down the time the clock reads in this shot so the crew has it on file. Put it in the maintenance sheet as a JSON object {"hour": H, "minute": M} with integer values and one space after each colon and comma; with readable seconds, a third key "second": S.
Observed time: {"hour": 8, "minute": 49}
